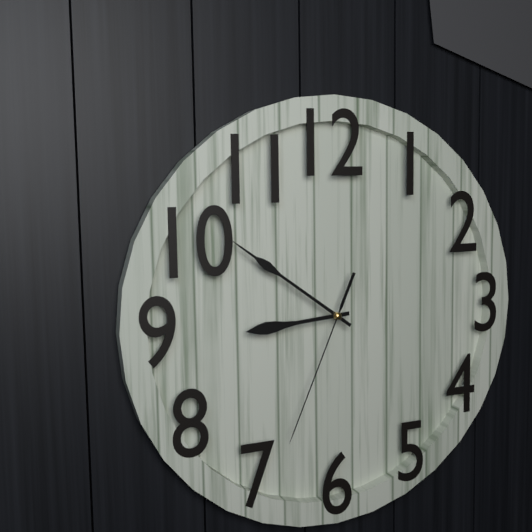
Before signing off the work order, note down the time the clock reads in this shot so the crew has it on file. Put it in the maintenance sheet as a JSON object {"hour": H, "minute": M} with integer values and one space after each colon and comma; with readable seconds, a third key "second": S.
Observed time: {"hour": 8, "minute": 51, "second": 34}
